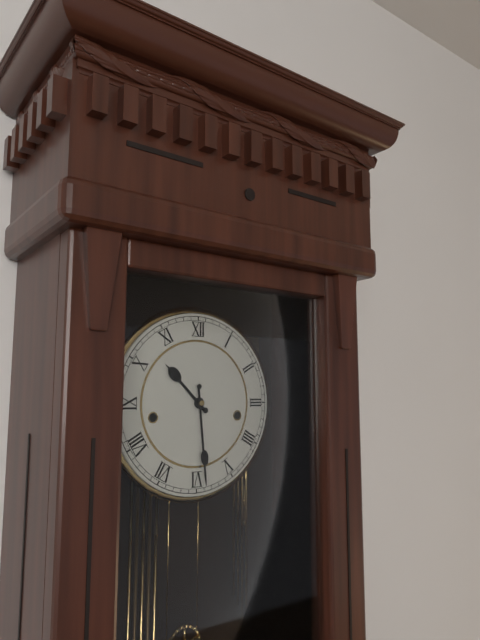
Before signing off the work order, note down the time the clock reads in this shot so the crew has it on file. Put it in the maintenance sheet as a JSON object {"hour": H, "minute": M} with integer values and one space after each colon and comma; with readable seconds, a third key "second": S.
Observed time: {"hour": 10, "minute": 29}
